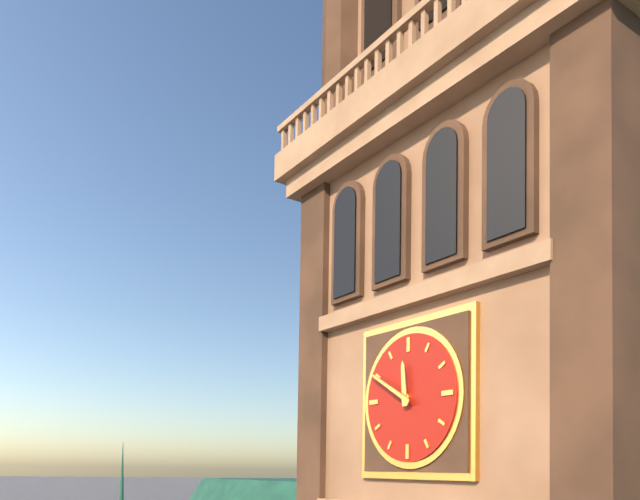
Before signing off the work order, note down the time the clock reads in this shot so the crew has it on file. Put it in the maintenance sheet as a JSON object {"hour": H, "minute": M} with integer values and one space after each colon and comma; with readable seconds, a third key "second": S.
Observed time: {"hour": 11, "minute": 50}
